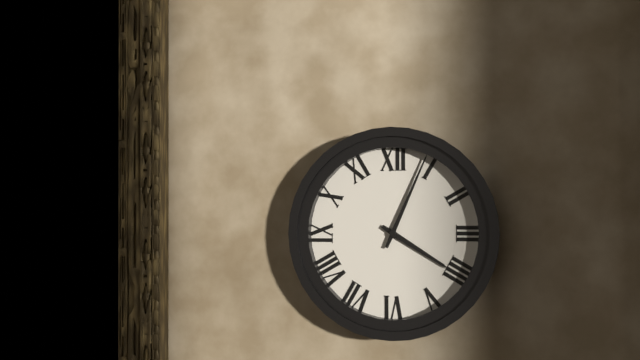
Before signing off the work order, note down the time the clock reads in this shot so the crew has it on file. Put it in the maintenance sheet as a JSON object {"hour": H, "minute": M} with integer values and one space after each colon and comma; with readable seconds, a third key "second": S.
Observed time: {"hour": 4, "minute": 4}
